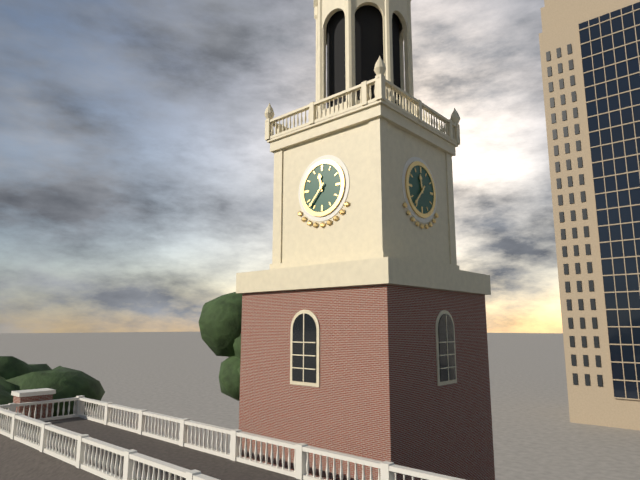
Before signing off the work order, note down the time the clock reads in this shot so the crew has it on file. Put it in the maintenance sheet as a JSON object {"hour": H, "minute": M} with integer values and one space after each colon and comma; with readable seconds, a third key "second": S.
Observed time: {"hour": 11, "minute": 37}
